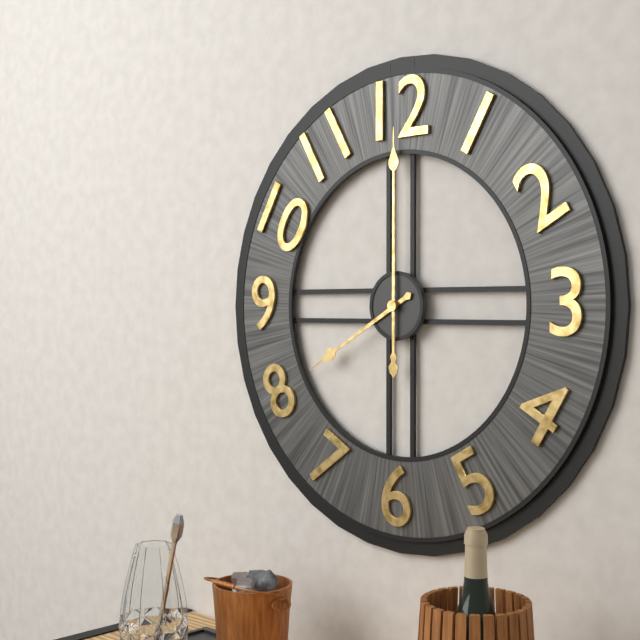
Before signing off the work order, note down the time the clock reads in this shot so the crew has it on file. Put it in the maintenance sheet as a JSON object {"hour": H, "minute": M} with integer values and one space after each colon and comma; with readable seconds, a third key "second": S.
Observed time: {"hour": 8, "minute": 0}
